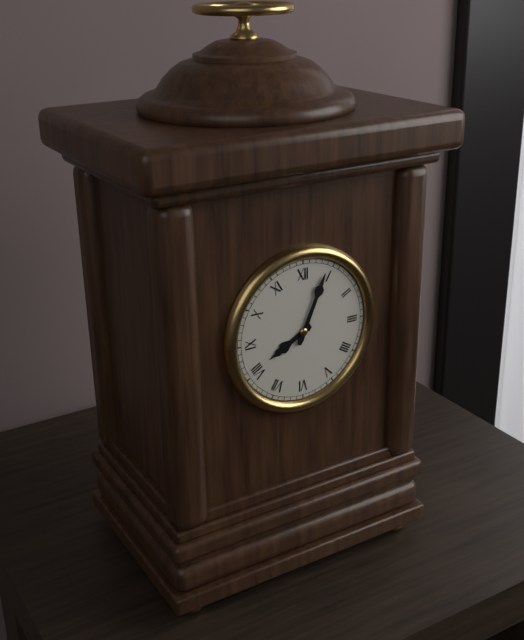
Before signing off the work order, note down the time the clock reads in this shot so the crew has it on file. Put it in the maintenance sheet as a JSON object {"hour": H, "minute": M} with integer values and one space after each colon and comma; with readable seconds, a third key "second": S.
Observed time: {"hour": 8, "minute": 4}
